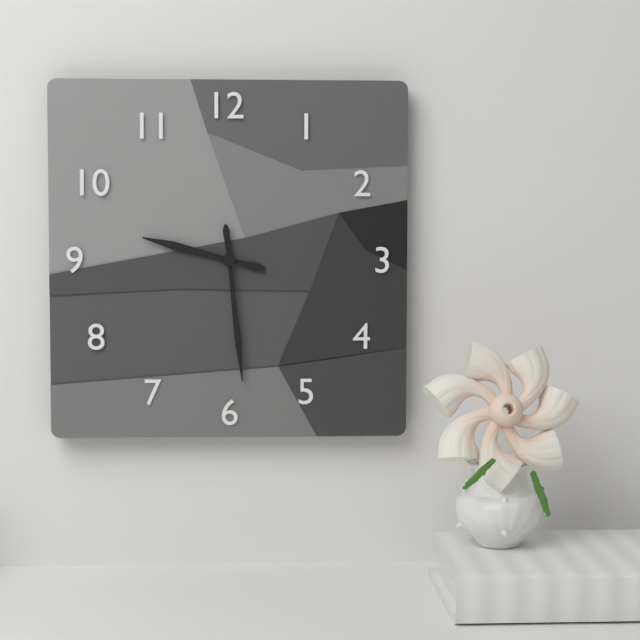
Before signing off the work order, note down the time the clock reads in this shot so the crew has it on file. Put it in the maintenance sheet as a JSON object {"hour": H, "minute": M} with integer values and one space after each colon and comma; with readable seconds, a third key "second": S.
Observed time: {"hour": 9, "minute": 29}
